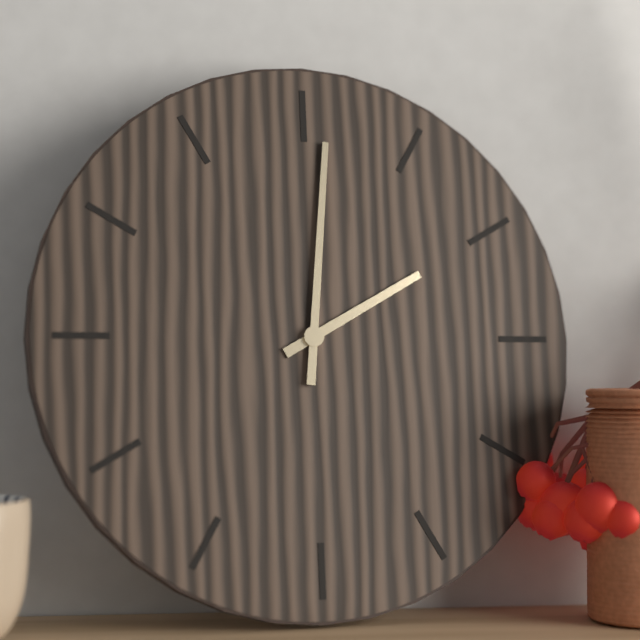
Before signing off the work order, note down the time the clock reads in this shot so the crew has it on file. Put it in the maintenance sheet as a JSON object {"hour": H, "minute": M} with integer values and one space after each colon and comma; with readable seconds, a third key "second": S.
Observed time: {"hour": 2, "minute": 1}
